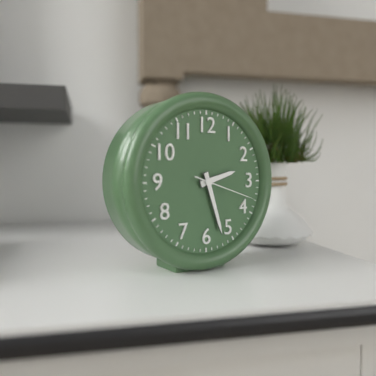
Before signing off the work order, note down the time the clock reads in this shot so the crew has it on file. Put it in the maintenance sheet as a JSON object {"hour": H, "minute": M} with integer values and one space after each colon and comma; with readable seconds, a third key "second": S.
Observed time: {"hour": 2, "minute": 27, "second": 18}
